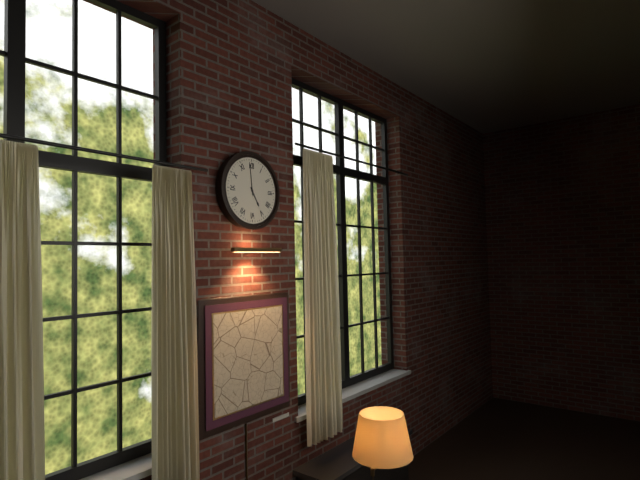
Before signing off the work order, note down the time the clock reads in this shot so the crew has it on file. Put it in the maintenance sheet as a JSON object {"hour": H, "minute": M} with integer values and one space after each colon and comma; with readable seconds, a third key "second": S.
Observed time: {"hour": 4, "minute": 59}
